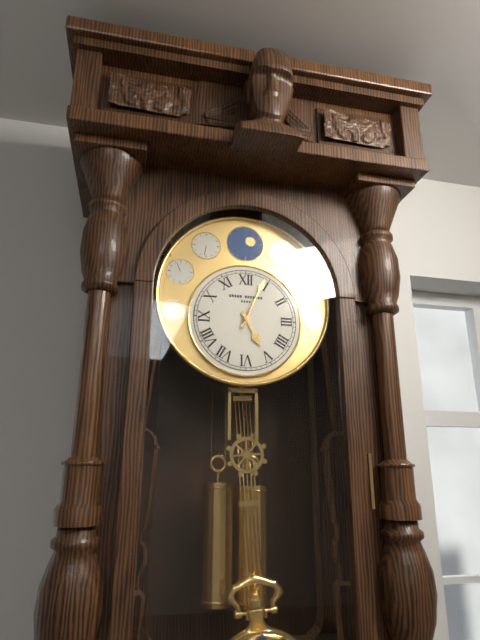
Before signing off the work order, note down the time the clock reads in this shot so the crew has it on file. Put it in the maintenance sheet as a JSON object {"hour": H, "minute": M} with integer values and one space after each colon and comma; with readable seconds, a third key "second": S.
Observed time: {"hour": 5, "minute": 4}
